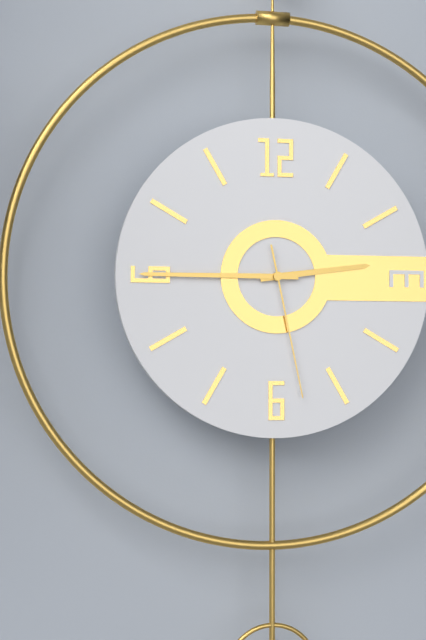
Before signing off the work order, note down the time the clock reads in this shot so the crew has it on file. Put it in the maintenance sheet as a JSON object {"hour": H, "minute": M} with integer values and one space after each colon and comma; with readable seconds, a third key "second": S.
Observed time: {"hour": 2, "minute": 45, "second": 28}
